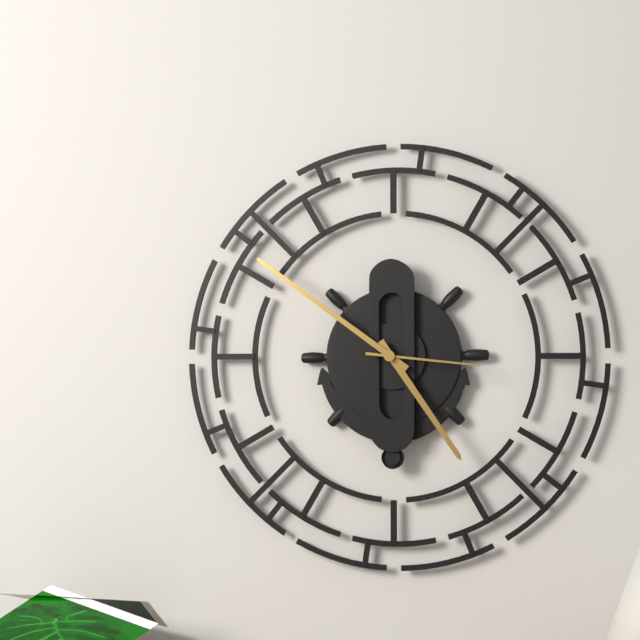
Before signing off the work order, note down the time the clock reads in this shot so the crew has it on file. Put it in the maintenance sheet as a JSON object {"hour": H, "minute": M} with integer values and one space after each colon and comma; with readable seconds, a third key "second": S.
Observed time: {"hour": 4, "minute": 51, "second": 16}
